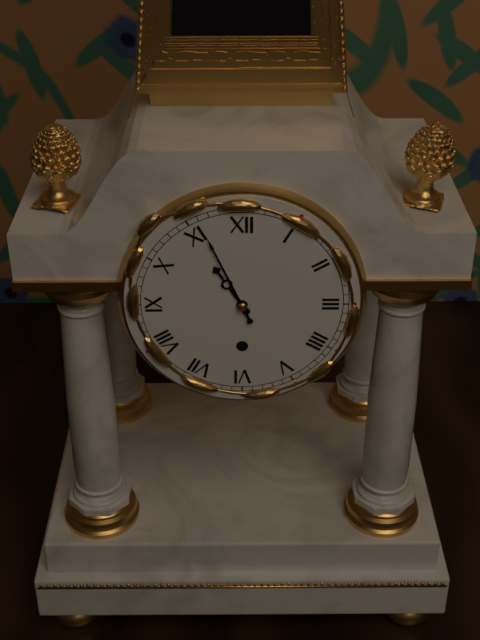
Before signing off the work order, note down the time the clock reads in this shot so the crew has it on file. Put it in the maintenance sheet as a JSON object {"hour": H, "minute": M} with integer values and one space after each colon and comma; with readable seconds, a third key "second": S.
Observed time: {"hour": 10, "minute": 56}
